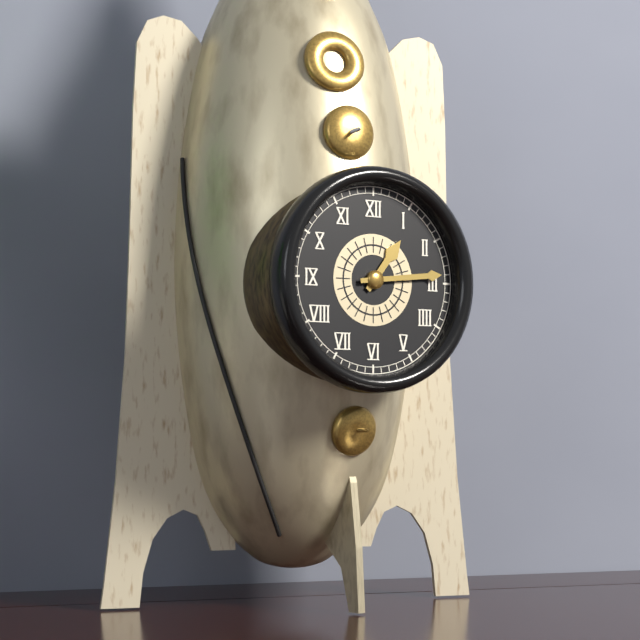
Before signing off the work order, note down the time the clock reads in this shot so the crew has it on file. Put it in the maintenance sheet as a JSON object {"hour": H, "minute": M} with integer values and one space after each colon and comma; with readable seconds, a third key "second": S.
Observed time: {"hour": 1, "minute": 14}
